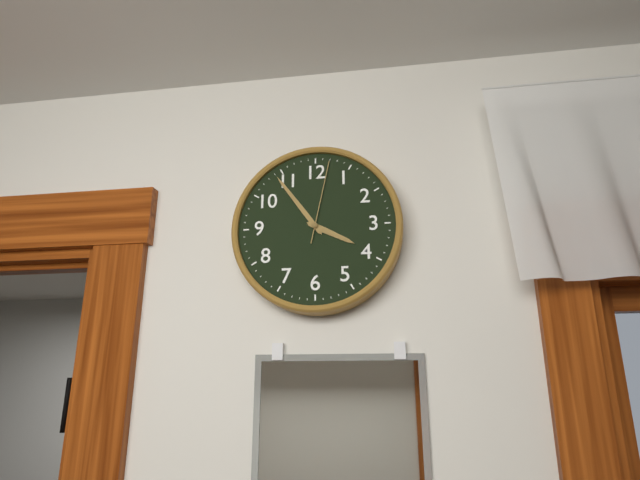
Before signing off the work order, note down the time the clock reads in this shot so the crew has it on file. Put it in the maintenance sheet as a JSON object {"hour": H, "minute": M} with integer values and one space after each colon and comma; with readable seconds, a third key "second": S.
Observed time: {"hour": 3, "minute": 54, "second": 2}
